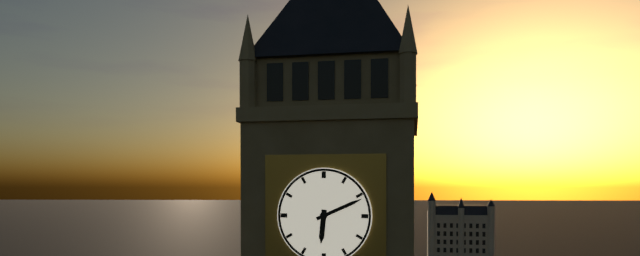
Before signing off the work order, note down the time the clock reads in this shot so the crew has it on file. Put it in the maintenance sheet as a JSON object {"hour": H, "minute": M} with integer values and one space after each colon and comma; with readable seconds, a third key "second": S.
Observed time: {"hour": 6, "minute": 11}
